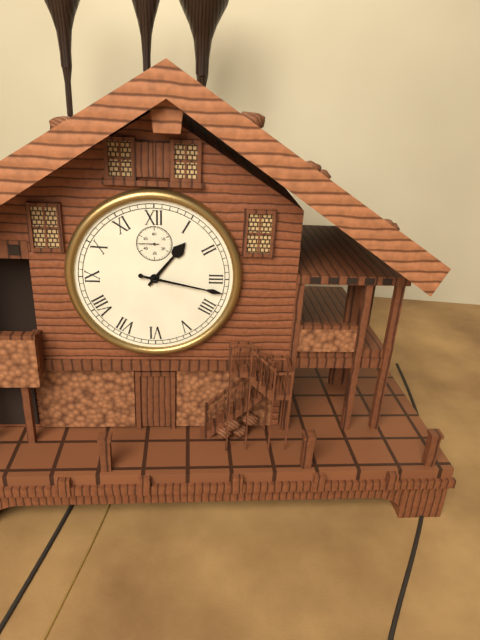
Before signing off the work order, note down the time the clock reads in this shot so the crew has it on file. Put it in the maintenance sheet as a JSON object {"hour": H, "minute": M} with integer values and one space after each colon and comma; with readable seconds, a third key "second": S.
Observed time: {"hour": 1, "minute": 17}
